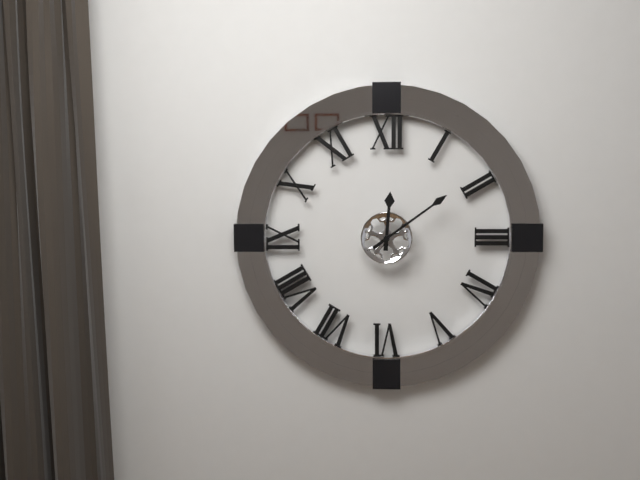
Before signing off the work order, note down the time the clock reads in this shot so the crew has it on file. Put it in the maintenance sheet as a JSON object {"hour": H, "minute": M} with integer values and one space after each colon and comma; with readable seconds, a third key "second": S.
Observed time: {"hour": 12, "minute": 9}
